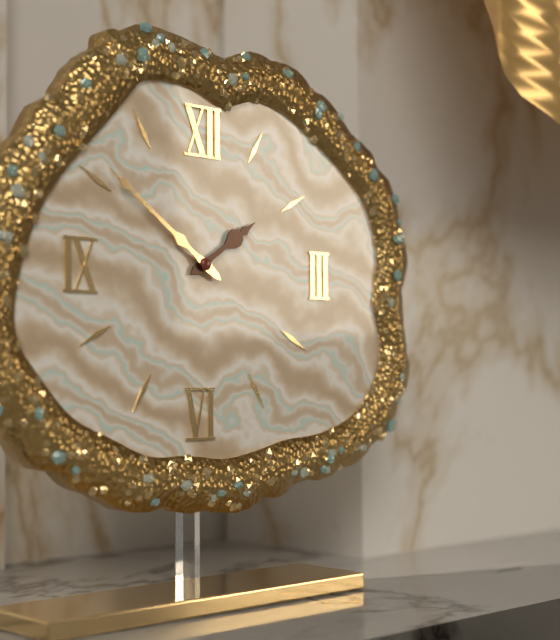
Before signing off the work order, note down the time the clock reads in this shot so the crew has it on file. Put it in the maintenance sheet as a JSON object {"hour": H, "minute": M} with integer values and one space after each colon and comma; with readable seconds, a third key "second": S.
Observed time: {"hour": 1, "minute": 51}
